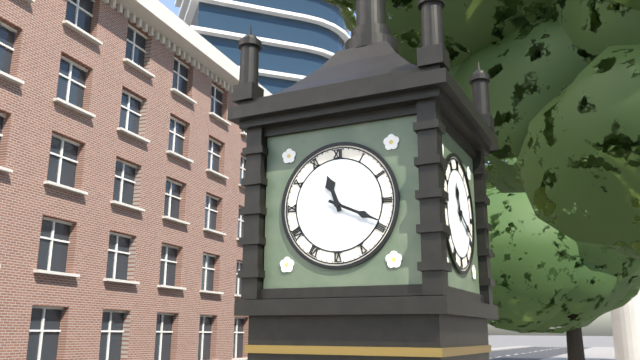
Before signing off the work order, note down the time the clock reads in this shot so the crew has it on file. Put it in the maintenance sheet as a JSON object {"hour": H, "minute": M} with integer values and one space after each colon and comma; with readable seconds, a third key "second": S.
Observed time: {"hour": 11, "minute": 19}
